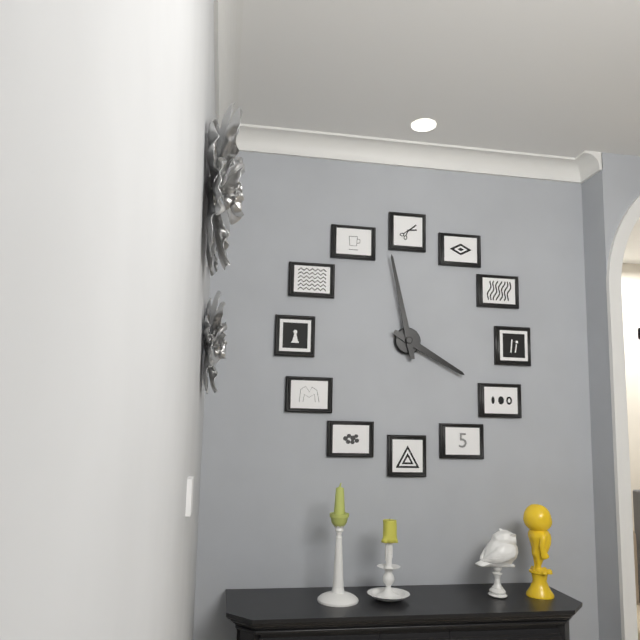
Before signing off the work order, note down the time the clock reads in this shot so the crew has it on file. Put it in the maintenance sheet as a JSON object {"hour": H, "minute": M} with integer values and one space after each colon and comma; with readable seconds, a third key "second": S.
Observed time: {"hour": 3, "minute": 58}
